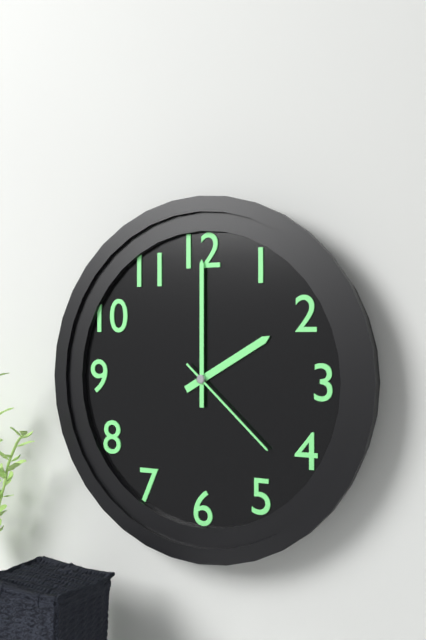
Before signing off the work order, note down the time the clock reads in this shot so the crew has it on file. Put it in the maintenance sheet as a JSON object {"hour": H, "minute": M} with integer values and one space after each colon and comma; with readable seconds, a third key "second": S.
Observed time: {"hour": 2, "minute": 0, "second": 22}
